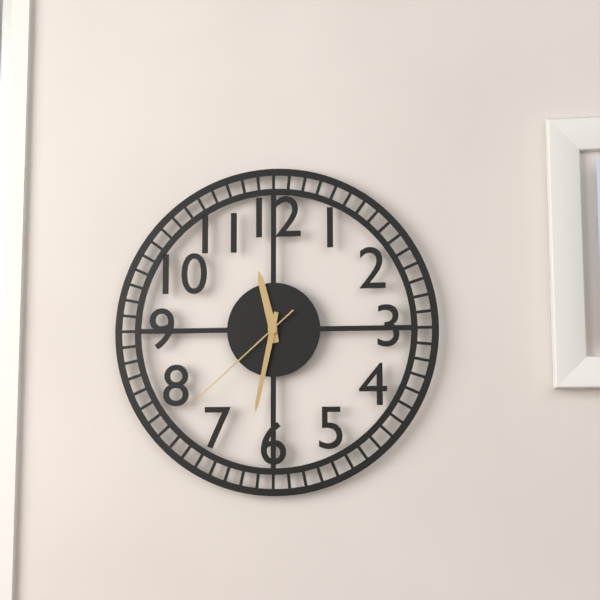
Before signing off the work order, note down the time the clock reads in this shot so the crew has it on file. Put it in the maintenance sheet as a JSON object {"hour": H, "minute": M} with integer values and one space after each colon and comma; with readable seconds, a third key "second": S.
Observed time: {"hour": 11, "minute": 32, "second": 38}
